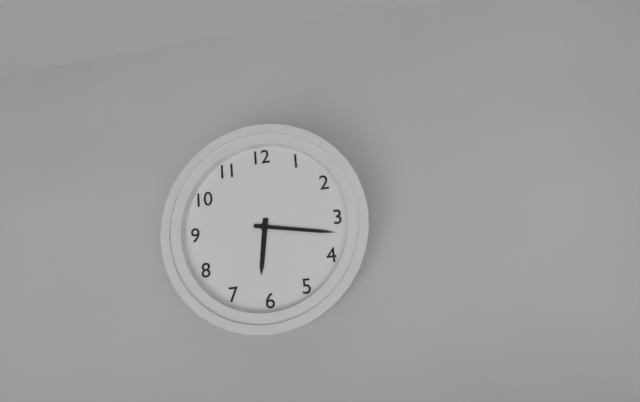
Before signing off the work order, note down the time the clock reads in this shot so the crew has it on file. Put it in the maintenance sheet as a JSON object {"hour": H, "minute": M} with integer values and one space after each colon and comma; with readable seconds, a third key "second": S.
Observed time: {"hour": 6, "minute": 17}
